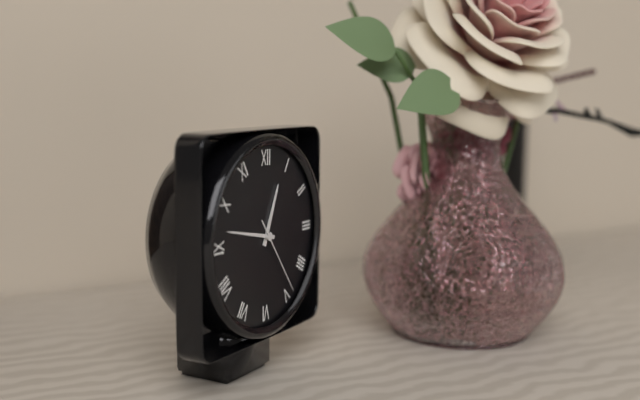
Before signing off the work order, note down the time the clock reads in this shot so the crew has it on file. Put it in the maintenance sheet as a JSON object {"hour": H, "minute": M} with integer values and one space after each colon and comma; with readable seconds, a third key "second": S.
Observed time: {"hour": 12, "minute": 47, "second": 24}
